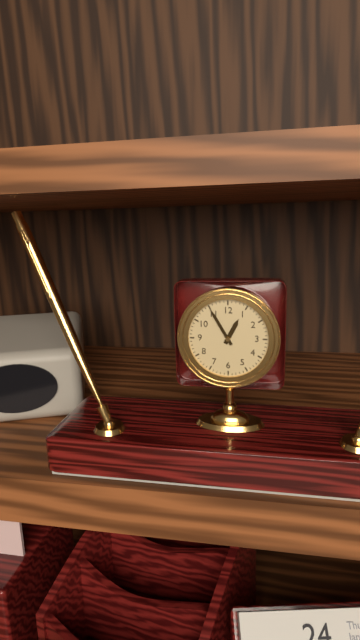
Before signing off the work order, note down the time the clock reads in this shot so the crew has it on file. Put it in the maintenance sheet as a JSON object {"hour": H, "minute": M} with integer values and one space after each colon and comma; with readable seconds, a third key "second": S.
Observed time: {"hour": 12, "minute": 55}
